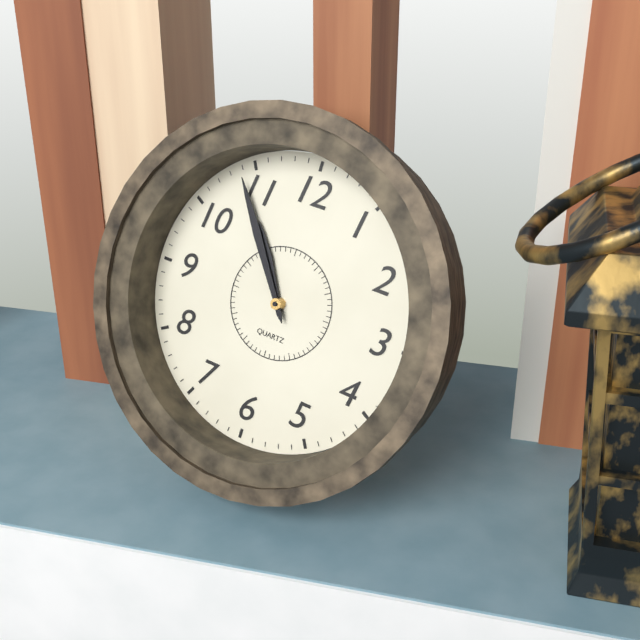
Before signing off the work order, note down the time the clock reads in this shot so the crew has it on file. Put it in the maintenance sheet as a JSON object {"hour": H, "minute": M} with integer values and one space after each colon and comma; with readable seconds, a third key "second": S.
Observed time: {"hour": 10, "minute": 54}
